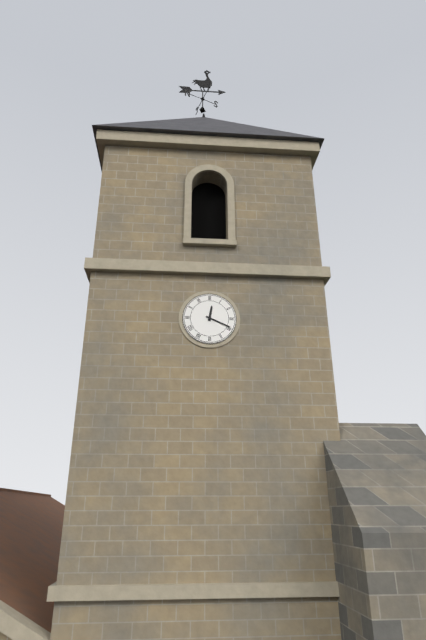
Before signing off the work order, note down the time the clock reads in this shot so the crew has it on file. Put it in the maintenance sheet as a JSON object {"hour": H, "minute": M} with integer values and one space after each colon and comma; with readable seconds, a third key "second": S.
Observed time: {"hour": 12, "minute": 19}
